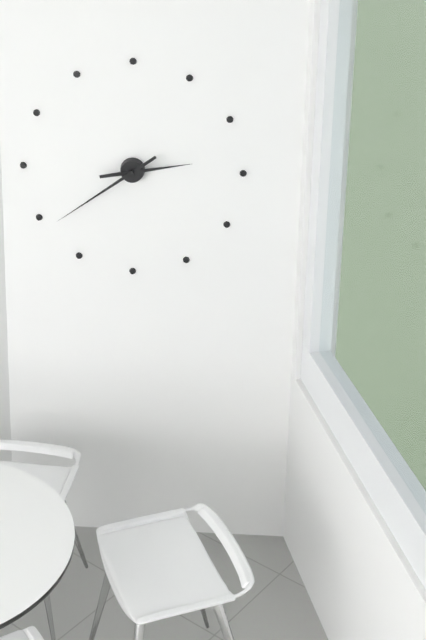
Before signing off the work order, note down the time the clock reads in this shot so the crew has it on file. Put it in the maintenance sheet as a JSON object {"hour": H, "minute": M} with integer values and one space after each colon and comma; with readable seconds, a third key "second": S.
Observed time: {"hour": 2, "minute": 39}
